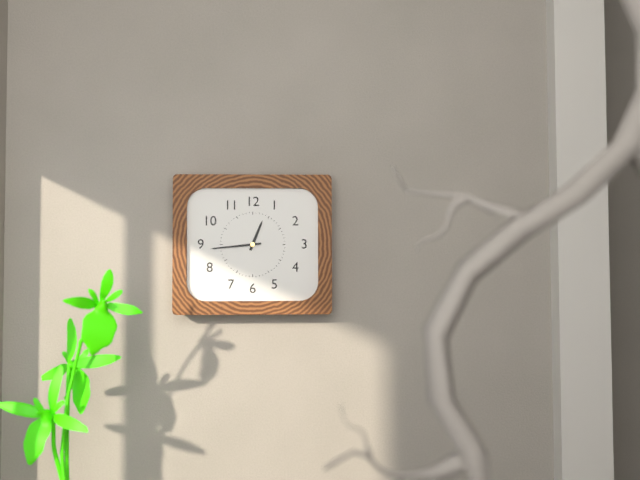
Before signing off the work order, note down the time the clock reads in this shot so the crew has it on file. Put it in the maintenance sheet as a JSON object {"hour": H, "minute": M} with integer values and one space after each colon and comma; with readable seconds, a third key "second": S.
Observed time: {"hour": 12, "minute": 44}
